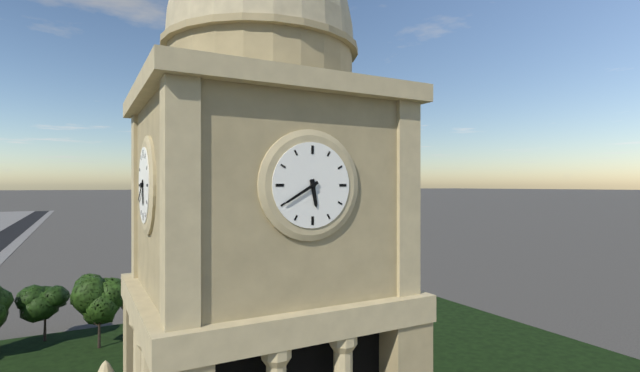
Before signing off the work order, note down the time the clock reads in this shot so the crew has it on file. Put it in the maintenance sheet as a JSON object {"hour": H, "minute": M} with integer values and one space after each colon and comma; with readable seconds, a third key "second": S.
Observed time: {"hour": 5, "minute": 40}
